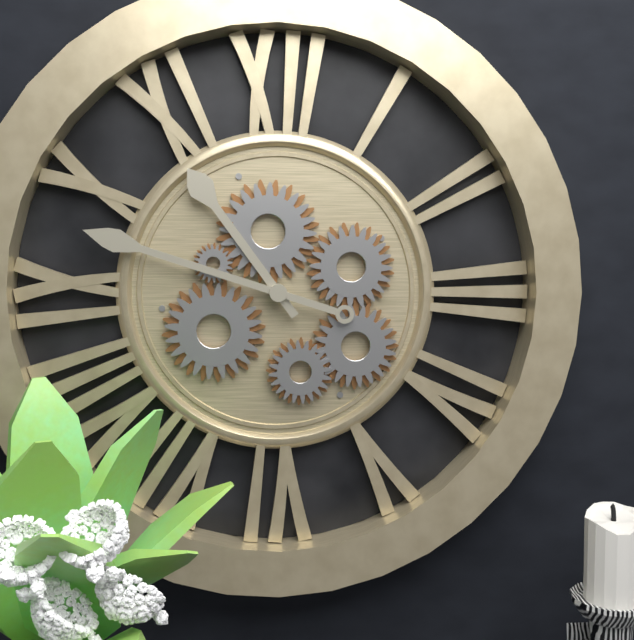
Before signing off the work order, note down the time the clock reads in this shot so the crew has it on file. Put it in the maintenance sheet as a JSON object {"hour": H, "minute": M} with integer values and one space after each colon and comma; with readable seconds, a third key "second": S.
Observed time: {"hour": 10, "minute": 48}
